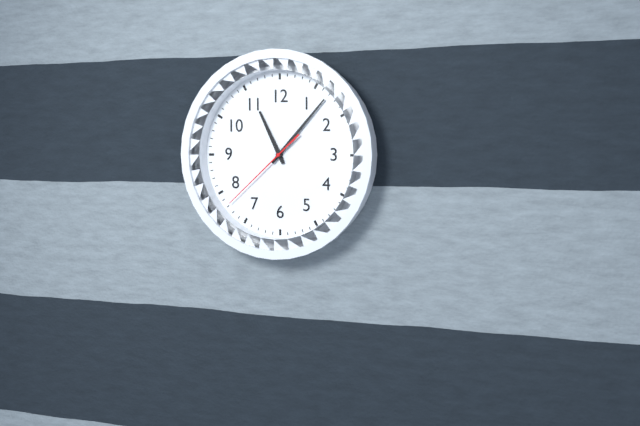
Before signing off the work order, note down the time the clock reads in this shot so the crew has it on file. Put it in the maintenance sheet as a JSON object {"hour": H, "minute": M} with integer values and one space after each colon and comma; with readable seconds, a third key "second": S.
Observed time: {"hour": 11, "minute": 7, "second": 38}
